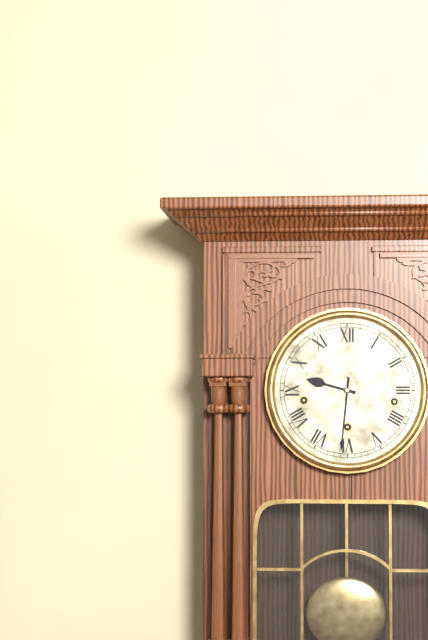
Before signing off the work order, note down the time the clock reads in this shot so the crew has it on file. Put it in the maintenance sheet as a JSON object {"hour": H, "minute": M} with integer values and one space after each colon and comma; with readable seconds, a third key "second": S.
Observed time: {"hour": 9, "minute": 31}
